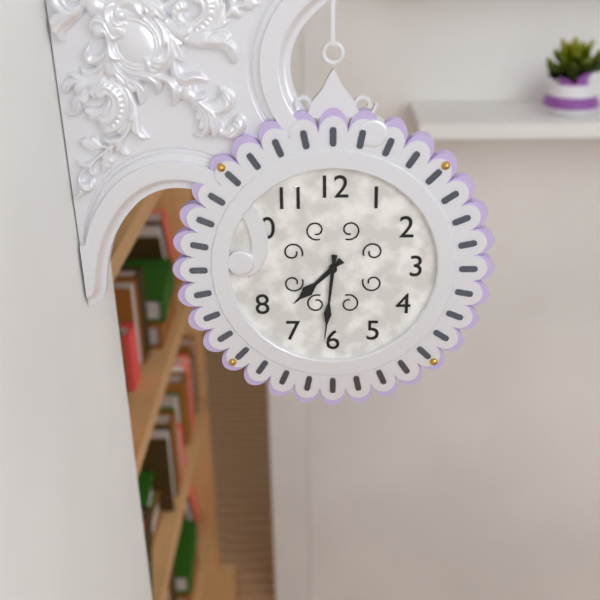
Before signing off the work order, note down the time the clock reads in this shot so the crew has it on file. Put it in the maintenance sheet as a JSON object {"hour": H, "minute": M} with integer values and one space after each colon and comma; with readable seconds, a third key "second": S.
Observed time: {"hour": 7, "minute": 31}
